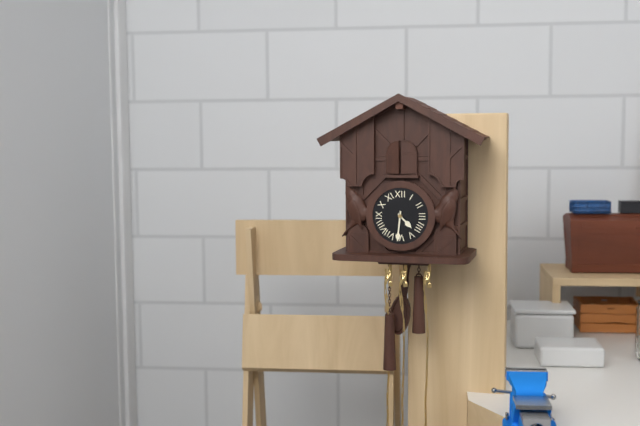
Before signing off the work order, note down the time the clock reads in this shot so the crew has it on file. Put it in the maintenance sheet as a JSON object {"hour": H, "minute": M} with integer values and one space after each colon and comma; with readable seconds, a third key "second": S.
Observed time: {"hour": 4, "minute": 31}
